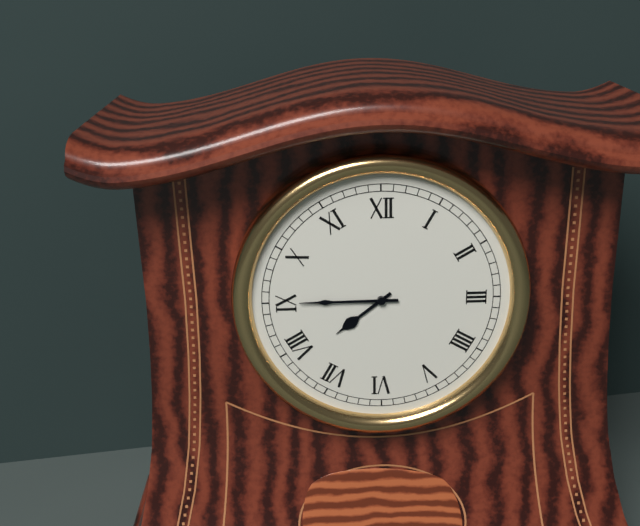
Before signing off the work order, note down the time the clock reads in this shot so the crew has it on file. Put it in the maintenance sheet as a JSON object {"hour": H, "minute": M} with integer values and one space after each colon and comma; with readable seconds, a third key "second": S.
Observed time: {"hour": 7, "minute": 45}
